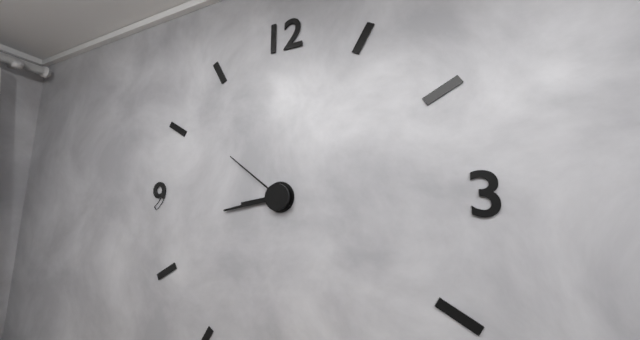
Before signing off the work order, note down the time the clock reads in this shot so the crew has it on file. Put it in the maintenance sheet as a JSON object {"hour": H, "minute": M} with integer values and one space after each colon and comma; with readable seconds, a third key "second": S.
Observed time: {"hour": 8, "minute": 43, "second": 51}
